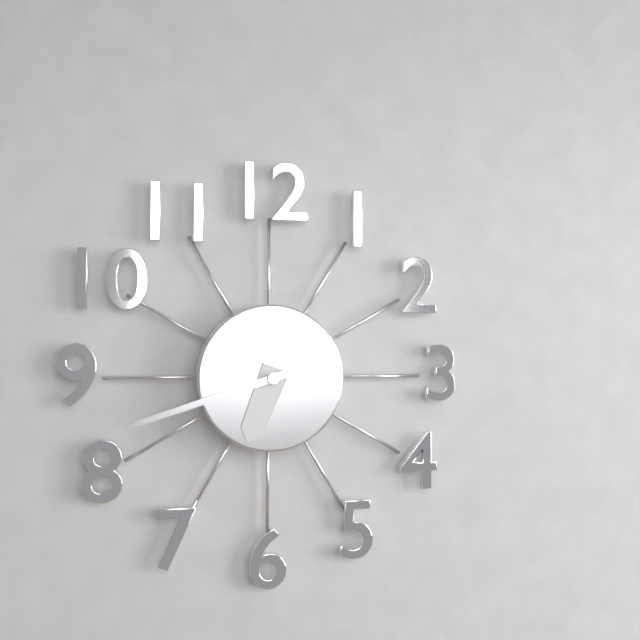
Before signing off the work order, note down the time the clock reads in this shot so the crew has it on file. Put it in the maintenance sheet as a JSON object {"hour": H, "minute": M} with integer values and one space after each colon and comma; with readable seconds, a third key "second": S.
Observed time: {"hour": 6, "minute": 42}
